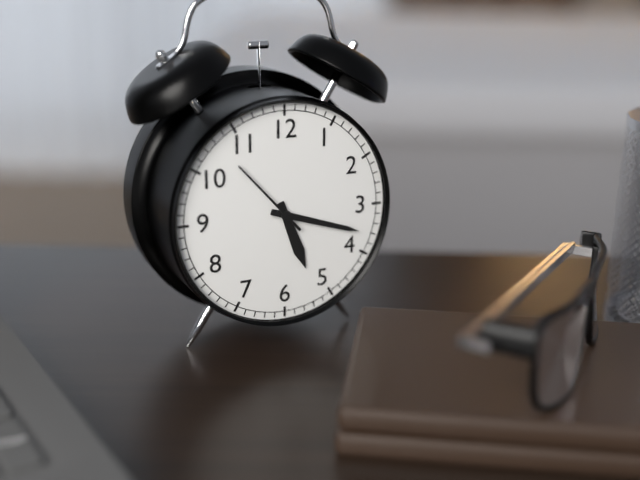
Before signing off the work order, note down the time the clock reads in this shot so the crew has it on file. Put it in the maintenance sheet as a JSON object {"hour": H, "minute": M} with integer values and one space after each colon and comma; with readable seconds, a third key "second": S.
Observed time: {"hour": 5, "minute": 18, "second": 53}
